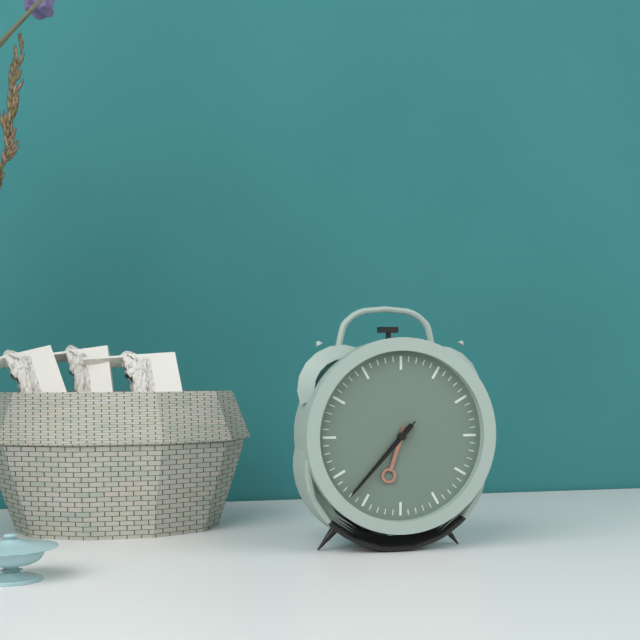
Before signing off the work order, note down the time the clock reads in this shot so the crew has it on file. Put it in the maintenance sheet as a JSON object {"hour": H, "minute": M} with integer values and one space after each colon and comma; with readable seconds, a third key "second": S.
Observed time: {"hour": 6, "minute": 37, "second": 37}
